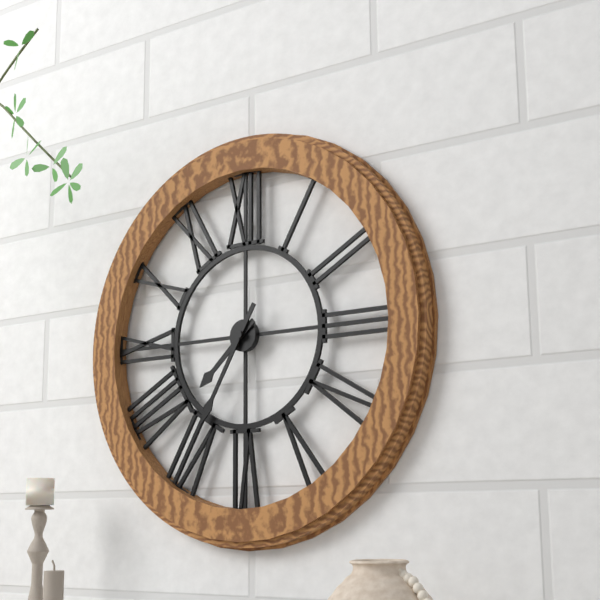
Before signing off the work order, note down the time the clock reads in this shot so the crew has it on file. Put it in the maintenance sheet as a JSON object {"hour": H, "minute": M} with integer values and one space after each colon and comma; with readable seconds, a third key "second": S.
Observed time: {"hour": 7, "minute": 35}
